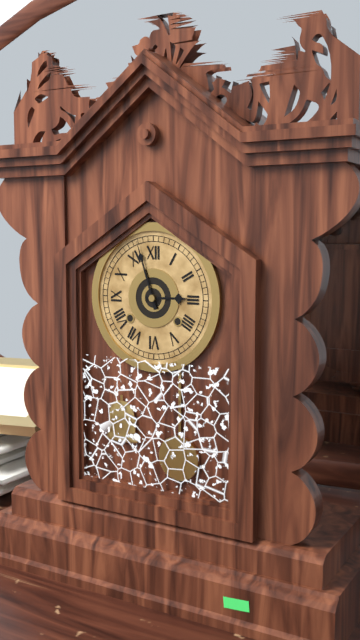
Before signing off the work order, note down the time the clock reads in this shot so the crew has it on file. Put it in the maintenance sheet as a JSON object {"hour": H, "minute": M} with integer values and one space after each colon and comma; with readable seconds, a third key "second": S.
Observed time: {"hour": 2, "minute": 57}
